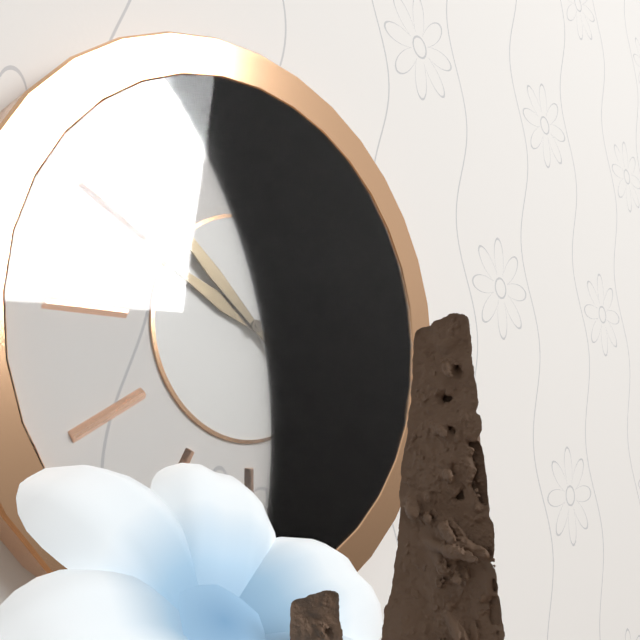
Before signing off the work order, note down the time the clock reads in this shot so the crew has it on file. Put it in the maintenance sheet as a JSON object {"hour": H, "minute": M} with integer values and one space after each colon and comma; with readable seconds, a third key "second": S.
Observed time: {"hour": 9, "minute": 52}
